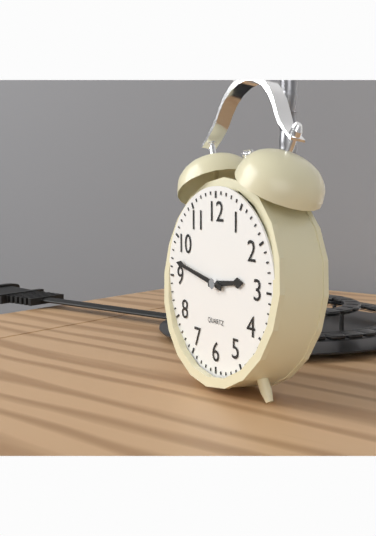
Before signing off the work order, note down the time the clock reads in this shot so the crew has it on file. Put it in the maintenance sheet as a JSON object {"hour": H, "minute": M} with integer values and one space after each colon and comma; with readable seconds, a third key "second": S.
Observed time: {"hour": 2, "minute": 47}
